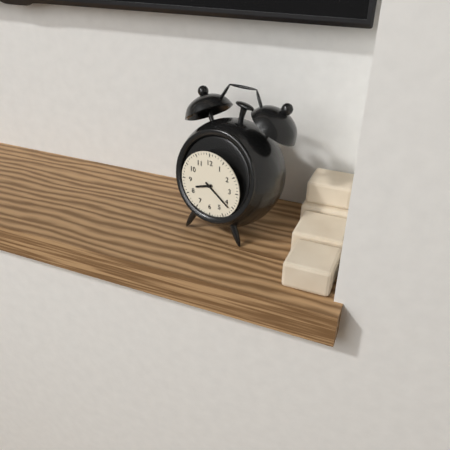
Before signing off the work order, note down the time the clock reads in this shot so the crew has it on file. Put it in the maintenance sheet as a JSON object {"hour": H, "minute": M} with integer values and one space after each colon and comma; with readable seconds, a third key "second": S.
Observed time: {"hour": 8, "minute": 21}
